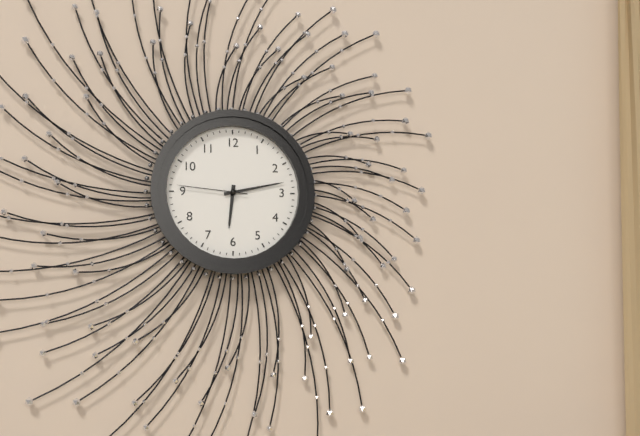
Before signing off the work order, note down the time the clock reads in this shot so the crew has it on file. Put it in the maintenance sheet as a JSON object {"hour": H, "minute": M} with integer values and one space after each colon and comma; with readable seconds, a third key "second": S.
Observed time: {"hour": 6, "minute": 13, "second": 46}
